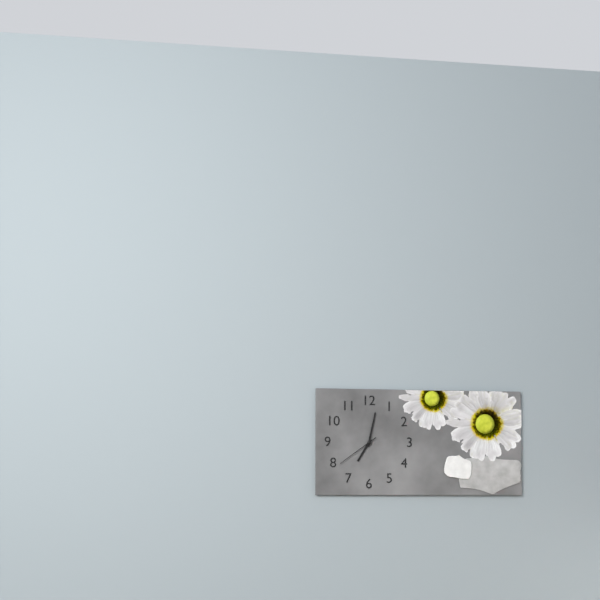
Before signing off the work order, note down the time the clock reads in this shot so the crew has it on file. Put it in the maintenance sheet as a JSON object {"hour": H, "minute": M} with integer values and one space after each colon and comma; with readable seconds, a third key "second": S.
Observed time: {"hour": 7, "minute": 2}
